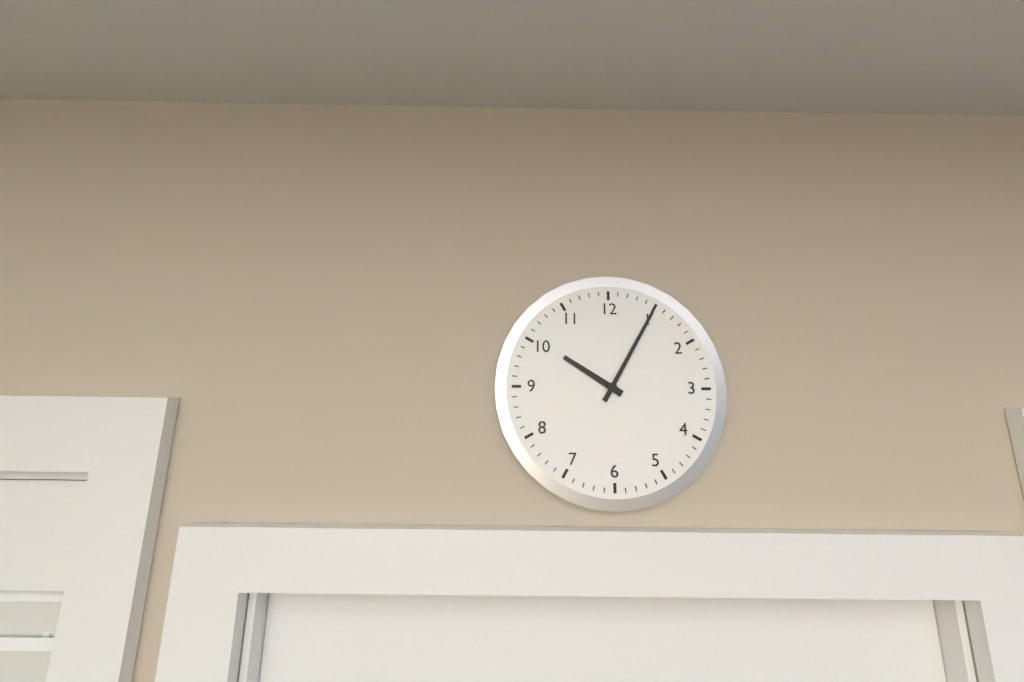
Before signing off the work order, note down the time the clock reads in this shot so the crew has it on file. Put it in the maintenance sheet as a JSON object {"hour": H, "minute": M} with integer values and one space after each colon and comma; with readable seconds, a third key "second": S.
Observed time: {"hour": 10, "minute": 5}
